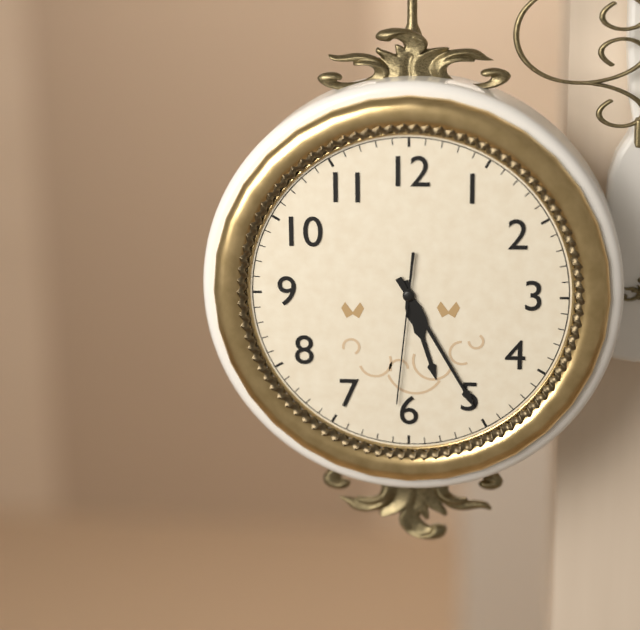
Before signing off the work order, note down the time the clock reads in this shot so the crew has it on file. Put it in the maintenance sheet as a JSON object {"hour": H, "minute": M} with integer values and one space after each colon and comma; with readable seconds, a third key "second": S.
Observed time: {"hour": 5, "minute": 25, "second": 31}
